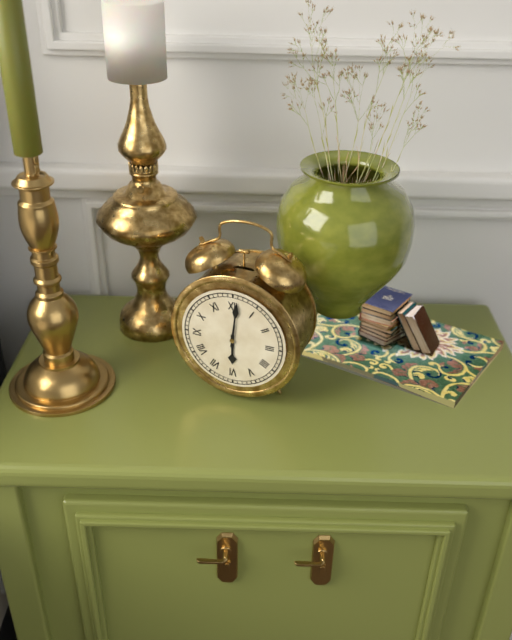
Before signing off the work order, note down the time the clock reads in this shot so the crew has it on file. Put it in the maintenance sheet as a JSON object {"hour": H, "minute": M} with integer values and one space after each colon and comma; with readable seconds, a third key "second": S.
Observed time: {"hour": 6, "minute": 1}
